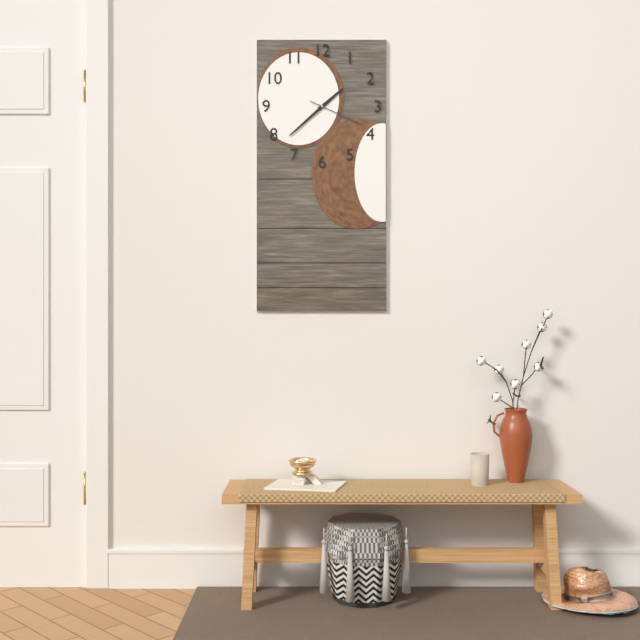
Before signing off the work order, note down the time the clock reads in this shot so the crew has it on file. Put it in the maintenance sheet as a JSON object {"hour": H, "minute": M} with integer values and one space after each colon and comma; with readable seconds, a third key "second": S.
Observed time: {"hour": 1, "minute": 38, "second": 19}
